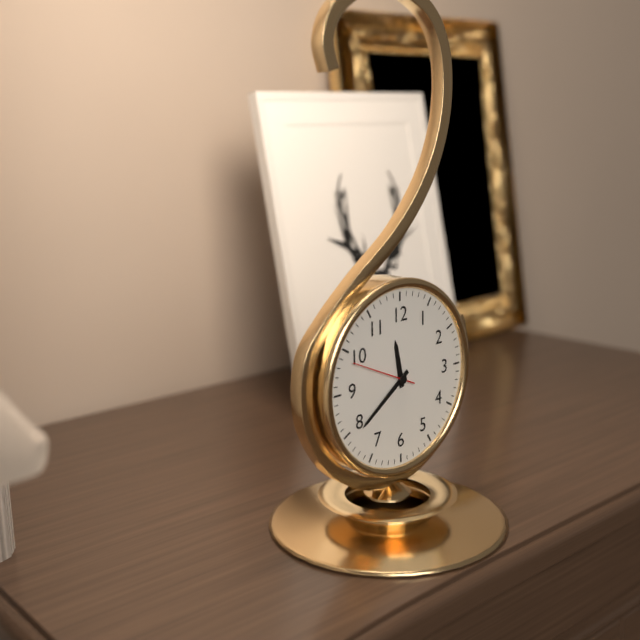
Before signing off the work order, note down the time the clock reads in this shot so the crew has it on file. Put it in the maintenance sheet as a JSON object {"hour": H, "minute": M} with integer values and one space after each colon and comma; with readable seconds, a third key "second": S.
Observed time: {"hour": 11, "minute": 39, "second": 49}
